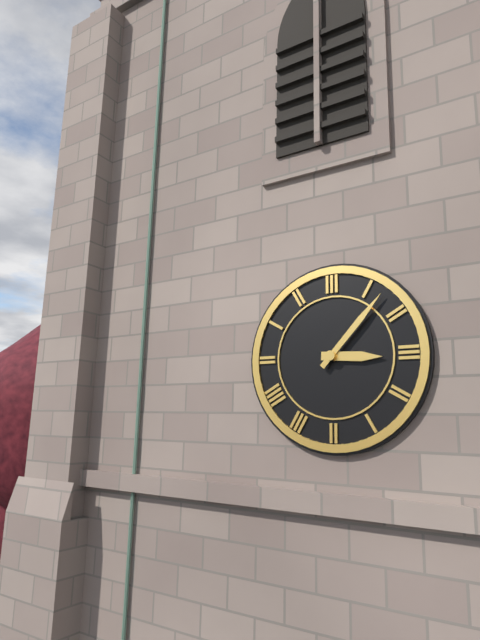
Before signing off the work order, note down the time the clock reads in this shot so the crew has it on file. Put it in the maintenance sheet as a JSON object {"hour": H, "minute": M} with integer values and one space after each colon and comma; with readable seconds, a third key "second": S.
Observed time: {"hour": 3, "minute": 7}
